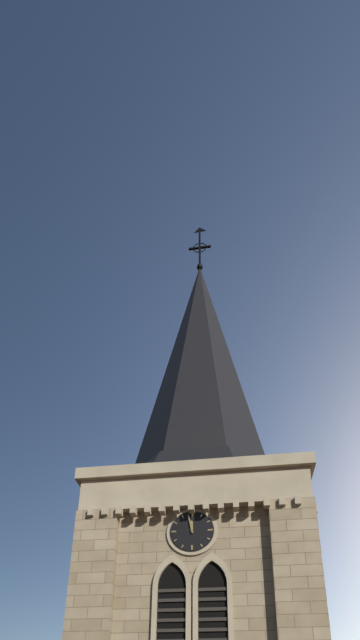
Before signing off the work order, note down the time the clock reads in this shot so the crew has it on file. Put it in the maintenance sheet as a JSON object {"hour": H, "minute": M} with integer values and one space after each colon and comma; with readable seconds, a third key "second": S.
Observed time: {"hour": 11, "minute": 58}
